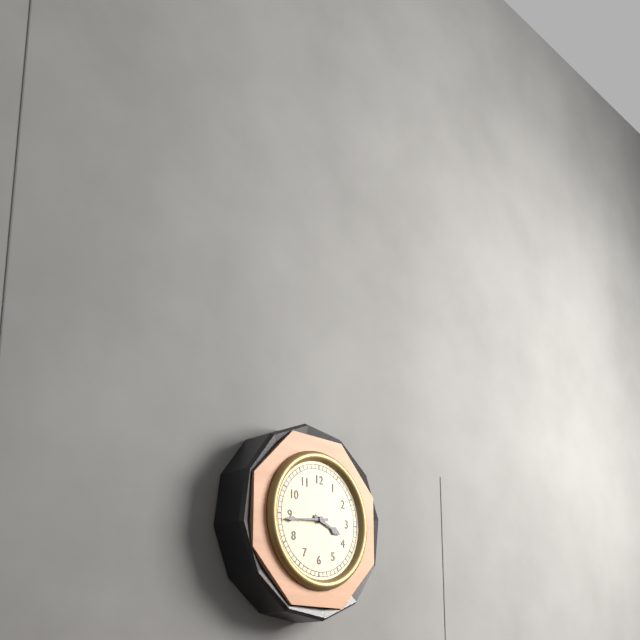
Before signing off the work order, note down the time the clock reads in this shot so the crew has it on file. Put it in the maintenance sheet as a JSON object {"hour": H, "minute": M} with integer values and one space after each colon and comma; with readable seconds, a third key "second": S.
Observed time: {"hour": 3, "minute": 44}
